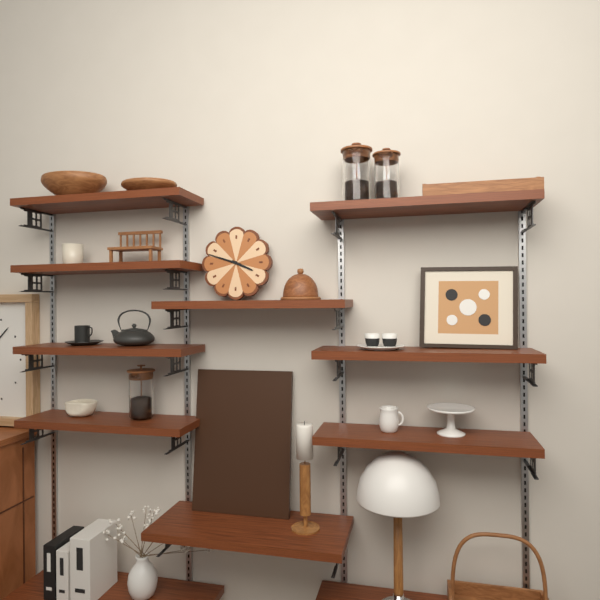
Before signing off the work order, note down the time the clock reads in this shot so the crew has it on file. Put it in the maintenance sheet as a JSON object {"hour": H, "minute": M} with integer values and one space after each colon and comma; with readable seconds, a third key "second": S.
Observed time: {"hour": 3, "minute": 48}
